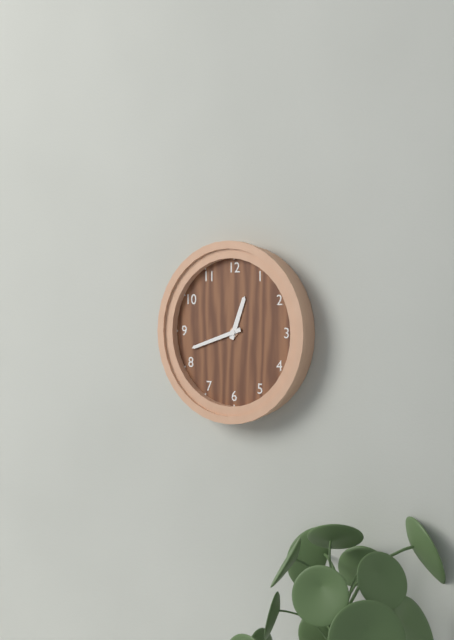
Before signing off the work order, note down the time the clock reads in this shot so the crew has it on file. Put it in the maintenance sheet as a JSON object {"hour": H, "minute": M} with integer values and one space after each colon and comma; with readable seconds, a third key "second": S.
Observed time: {"hour": 12, "minute": 42}
